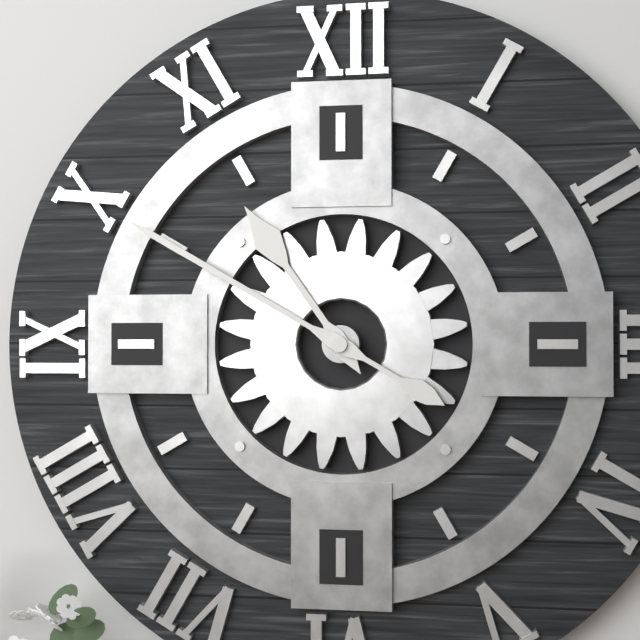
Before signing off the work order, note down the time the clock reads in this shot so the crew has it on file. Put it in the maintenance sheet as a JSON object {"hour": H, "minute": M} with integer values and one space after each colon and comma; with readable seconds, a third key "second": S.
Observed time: {"hour": 10, "minute": 50}
